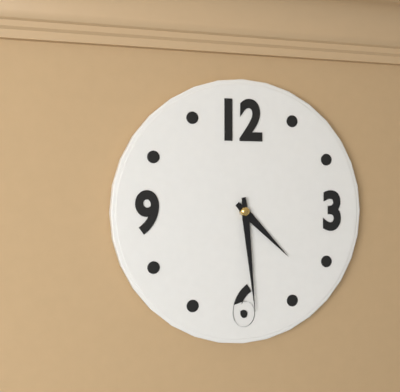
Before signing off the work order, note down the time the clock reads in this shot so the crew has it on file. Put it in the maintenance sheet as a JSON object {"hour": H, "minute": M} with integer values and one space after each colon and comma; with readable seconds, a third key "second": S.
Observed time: {"hour": 4, "minute": 29}
